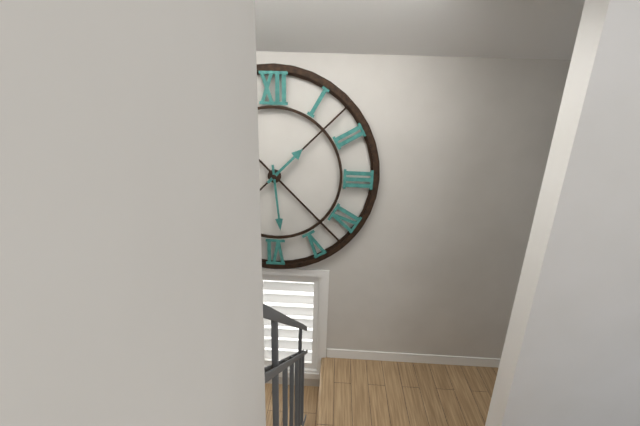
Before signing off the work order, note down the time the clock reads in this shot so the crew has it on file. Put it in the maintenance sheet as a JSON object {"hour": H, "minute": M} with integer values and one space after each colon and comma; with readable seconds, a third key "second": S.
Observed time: {"hour": 1, "minute": 29}
